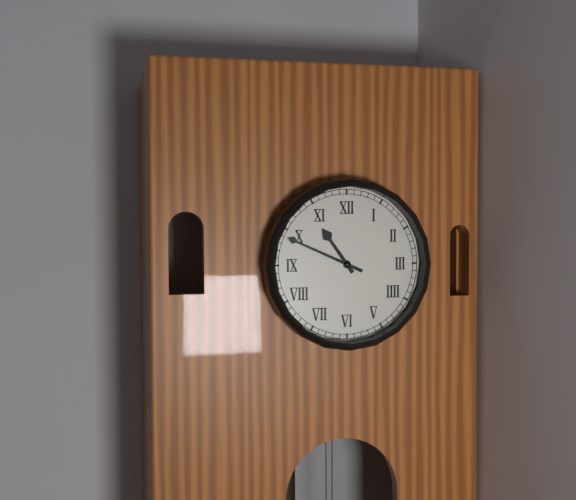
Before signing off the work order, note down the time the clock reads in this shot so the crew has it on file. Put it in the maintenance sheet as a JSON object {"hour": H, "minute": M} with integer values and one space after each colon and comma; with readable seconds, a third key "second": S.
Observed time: {"hour": 10, "minute": 49}
